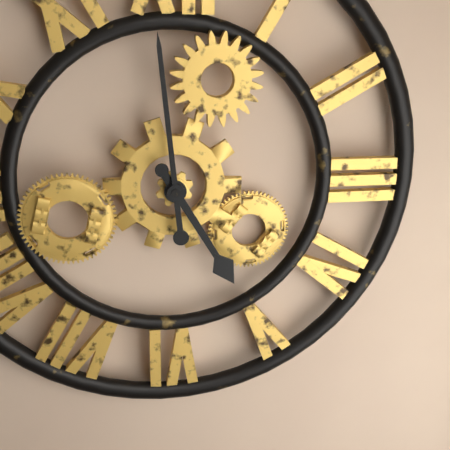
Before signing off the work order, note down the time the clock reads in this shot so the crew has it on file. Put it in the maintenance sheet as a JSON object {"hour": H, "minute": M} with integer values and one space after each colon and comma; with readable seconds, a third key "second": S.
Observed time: {"hour": 4, "minute": 59}
